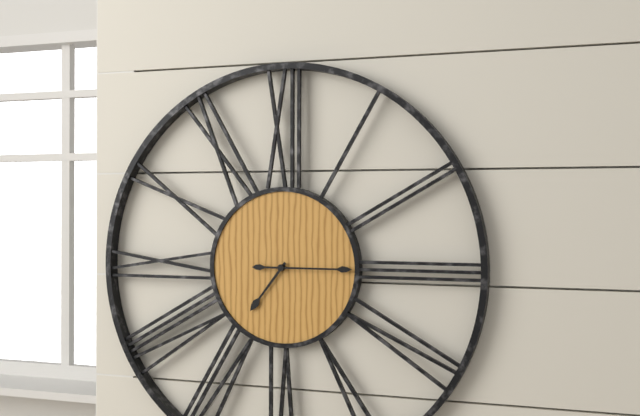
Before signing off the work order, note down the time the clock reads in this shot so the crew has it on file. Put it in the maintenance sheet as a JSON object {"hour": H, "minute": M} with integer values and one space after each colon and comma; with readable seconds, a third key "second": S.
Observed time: {"hour": 7, "minute": 15}
